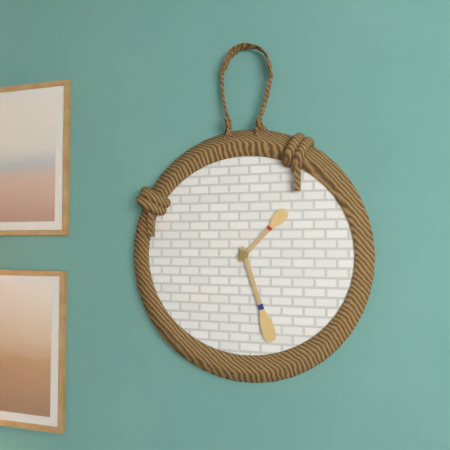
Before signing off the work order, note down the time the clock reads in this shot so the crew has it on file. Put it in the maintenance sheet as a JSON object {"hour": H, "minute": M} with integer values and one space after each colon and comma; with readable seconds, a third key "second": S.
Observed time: {"hour": 1, "minute": 27}
